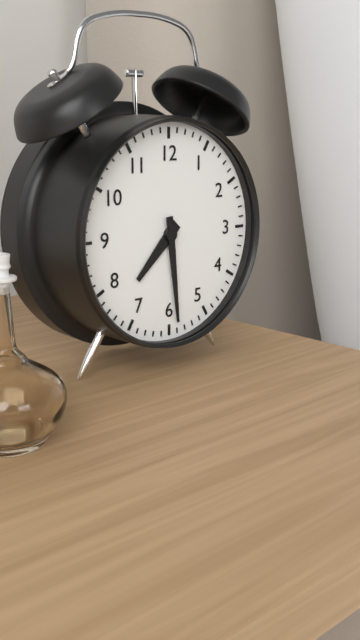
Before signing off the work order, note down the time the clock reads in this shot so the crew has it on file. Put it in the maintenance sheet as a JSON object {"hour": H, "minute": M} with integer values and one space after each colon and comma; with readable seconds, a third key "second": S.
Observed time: {"hour": 7, "minute": 29}
